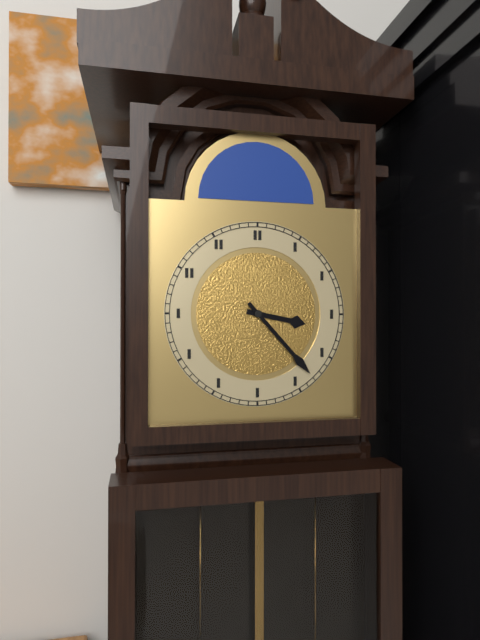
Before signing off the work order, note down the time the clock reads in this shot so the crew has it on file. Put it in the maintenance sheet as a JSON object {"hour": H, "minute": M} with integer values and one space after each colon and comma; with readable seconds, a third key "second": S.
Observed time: {"hour": 3, "minute": 23}
